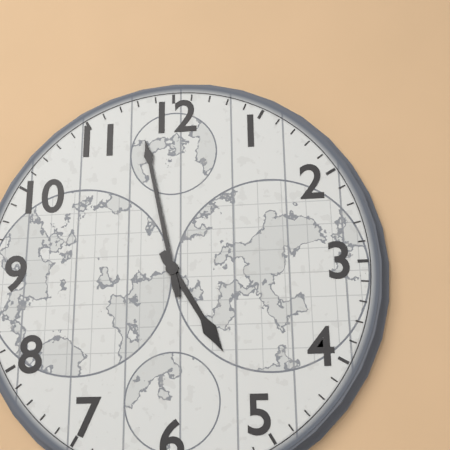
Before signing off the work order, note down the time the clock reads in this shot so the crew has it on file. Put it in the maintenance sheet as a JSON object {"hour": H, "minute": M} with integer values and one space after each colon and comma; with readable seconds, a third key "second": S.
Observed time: {"hour": 4, "minute": 58}
